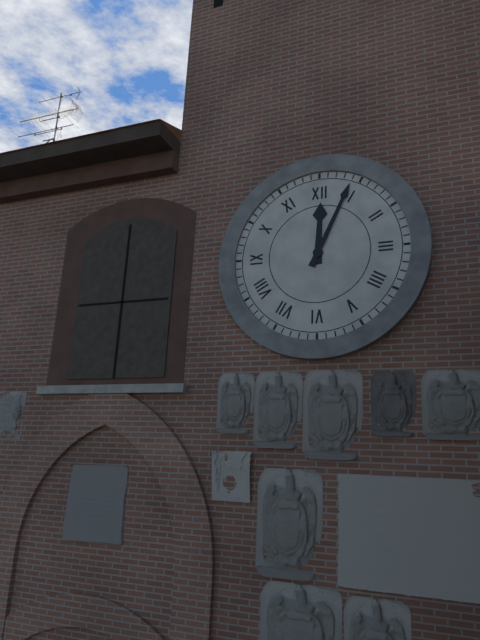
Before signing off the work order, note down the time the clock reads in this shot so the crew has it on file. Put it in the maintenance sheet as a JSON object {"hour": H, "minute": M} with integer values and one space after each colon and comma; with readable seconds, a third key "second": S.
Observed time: {"hour": 12, "minute": 4}
